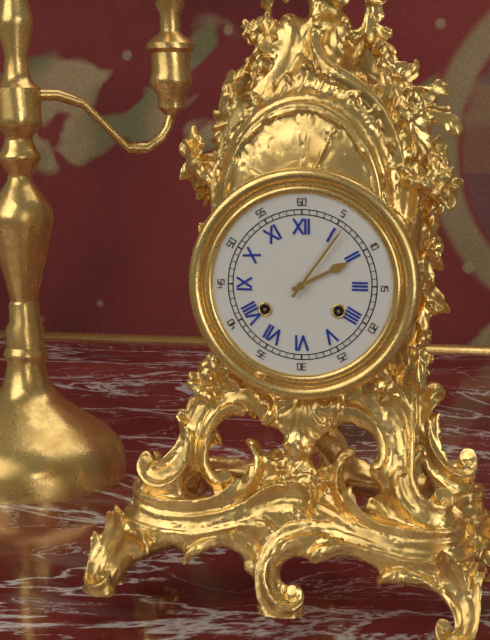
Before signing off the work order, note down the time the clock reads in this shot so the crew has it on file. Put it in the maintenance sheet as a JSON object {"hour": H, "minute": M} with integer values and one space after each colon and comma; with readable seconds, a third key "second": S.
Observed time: {"hour": 2, "minute": 6}
